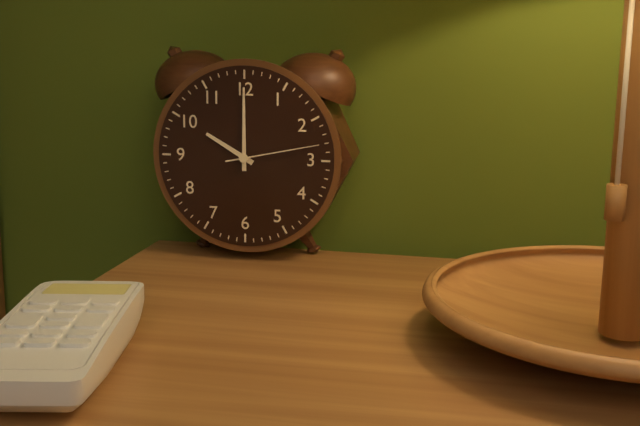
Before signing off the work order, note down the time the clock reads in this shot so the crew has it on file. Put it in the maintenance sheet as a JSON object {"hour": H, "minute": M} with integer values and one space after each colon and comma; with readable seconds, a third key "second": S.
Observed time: {"hour": 10, "minute": 0, "second": 13}
